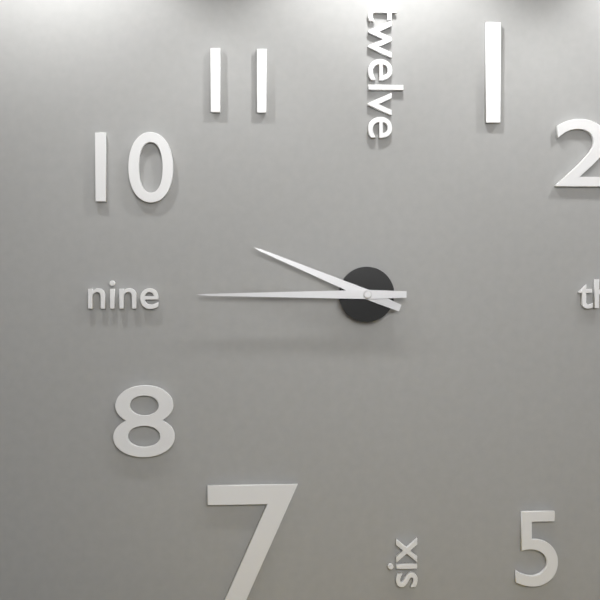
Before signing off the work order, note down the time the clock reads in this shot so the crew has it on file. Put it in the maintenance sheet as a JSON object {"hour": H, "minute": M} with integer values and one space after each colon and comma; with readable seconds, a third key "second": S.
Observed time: {"hour": 9, "minute": 45}
